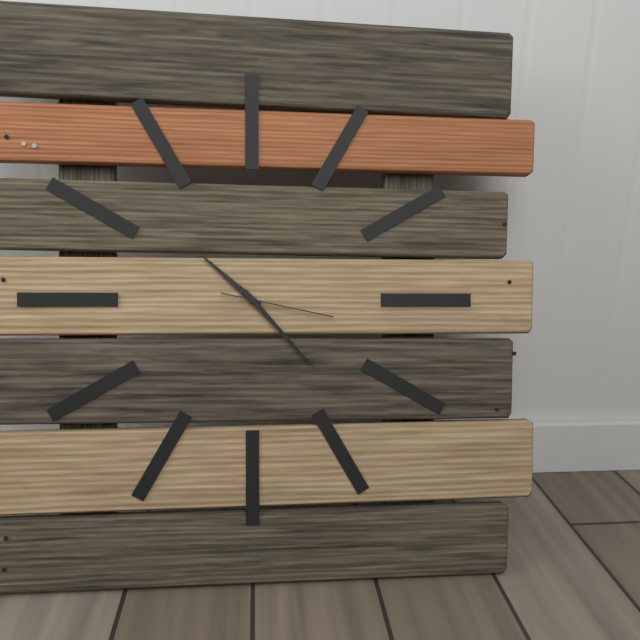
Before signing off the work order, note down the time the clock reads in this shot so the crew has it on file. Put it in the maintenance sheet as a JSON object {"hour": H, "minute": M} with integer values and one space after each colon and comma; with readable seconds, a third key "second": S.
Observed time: {"hour": 10, "minute": 23, "second": 17}
